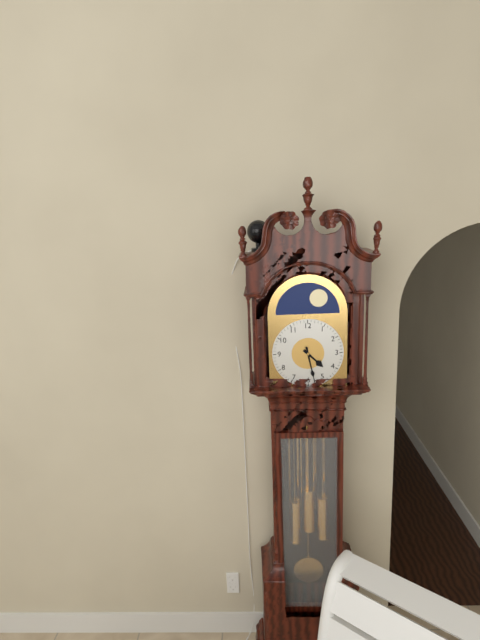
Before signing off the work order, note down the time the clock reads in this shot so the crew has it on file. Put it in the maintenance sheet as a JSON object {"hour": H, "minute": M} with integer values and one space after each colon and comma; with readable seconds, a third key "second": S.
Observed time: {"hour": 4, "minute": 28}
